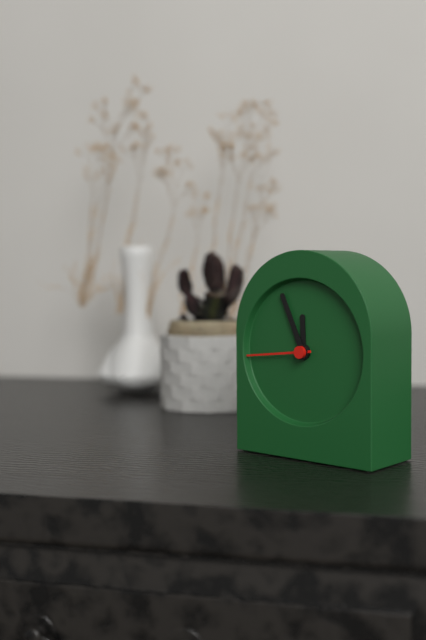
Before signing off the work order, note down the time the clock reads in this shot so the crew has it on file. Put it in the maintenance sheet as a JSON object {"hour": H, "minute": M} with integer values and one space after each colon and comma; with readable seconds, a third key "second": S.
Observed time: {"hour": 11, "minute": 56, "second": 44}
